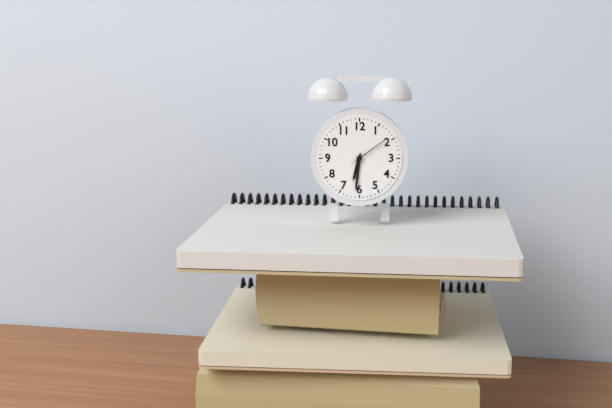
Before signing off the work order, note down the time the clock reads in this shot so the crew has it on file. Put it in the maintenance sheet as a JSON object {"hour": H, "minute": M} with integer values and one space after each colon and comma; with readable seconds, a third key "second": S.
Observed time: {"hour": 6, "minute": 31}
